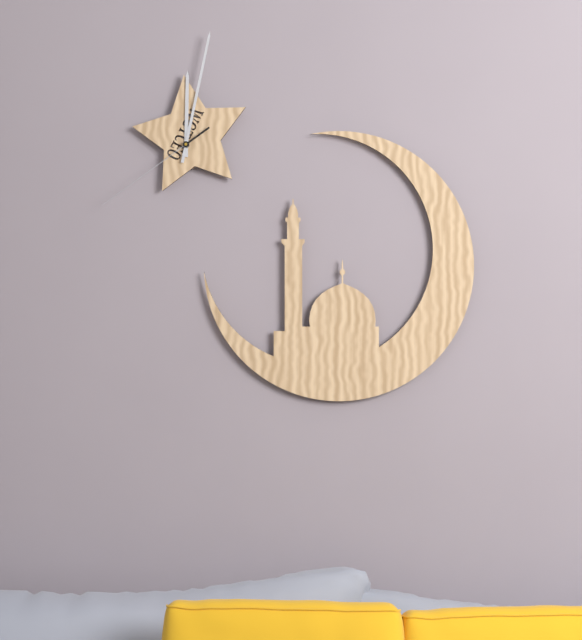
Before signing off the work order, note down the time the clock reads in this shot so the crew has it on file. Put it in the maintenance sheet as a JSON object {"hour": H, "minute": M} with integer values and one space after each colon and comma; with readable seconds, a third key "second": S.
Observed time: {"hour": 12, "minute": 2, "second": 39}
